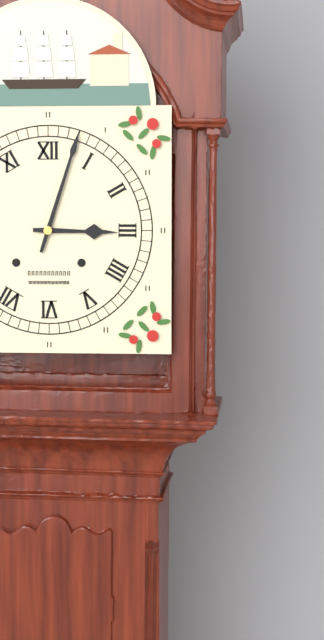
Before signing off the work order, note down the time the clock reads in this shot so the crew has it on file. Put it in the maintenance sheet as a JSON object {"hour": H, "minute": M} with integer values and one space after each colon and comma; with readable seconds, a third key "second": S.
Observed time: {"hour": 3, "minute": 3}
